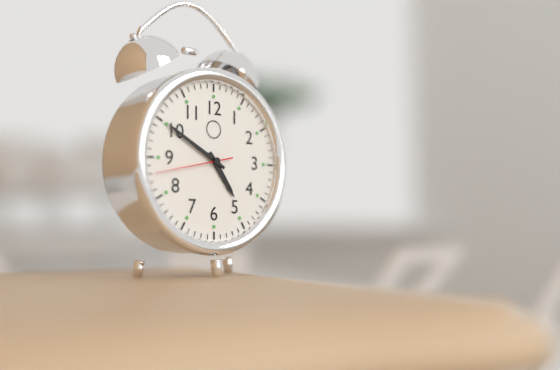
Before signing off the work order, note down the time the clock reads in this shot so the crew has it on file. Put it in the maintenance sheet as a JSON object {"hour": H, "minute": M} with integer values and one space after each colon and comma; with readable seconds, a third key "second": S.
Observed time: {"hour": 4, "minute": 50, "second": 43}
